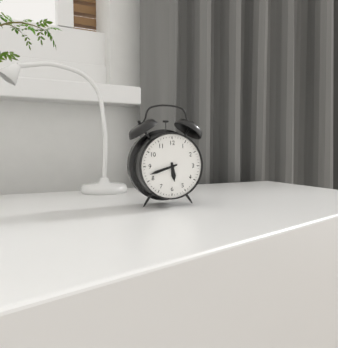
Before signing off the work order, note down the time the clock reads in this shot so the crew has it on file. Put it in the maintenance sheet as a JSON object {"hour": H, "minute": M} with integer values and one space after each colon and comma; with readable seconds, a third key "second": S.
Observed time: {"hour": 5, "minute": 42}
